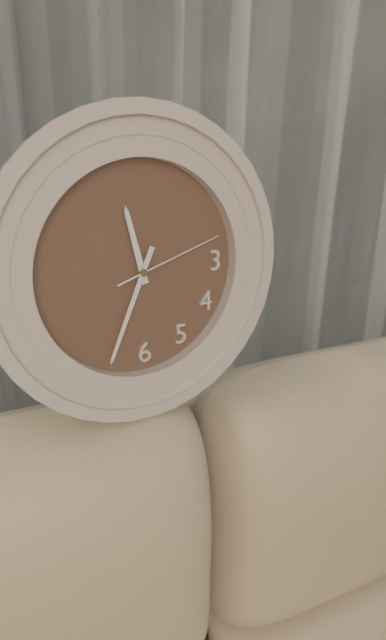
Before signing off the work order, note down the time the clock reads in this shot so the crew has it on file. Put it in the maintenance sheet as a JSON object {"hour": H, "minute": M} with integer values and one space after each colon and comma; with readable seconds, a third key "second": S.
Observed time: {"hour": 11, "minute": 34, "second": 12}
